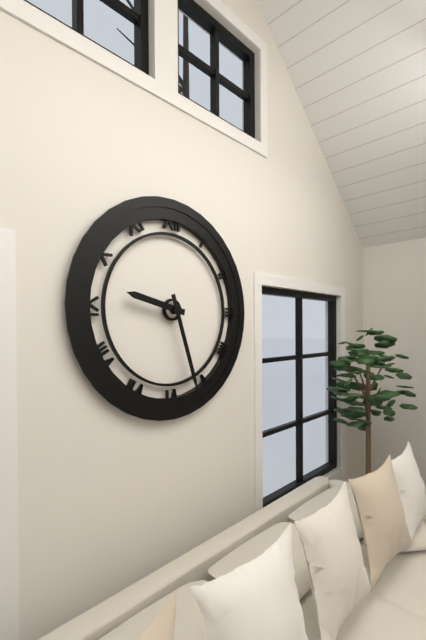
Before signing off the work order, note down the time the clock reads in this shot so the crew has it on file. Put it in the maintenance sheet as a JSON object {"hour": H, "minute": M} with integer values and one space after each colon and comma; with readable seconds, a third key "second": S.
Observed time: {"hour": 9, "minute": 27}
